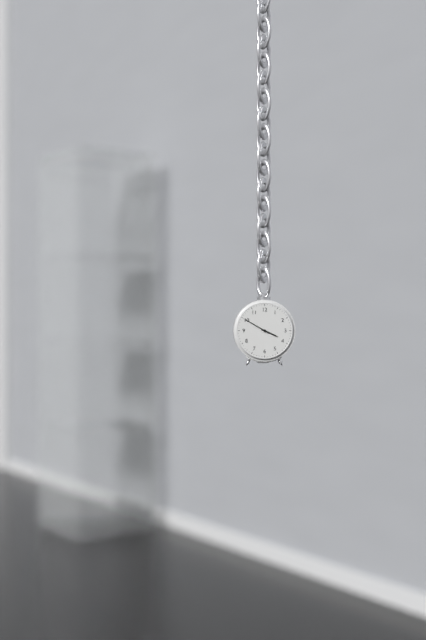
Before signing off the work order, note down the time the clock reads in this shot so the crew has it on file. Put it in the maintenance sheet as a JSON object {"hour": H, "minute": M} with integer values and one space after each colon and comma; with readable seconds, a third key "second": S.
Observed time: {"hour": 3, "minute": 50}
